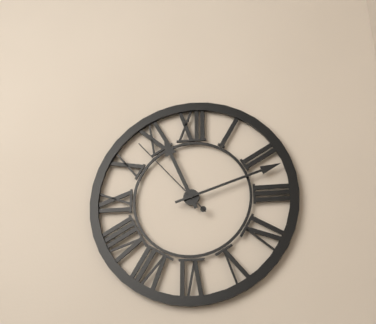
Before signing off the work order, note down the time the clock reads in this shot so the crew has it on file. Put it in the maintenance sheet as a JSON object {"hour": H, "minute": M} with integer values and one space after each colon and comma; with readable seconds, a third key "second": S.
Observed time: {"hour": 11, "minute": 12, "second": 53}
